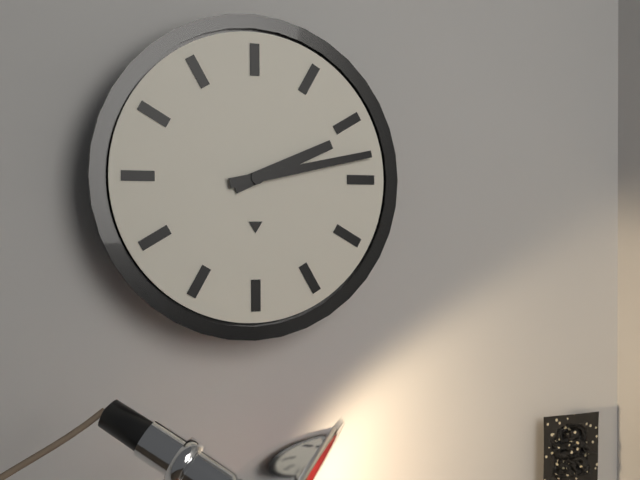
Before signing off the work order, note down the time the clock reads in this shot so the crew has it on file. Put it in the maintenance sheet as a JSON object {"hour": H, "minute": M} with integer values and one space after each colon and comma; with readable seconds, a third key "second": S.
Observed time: {"hour": 2, "minute": 13}
